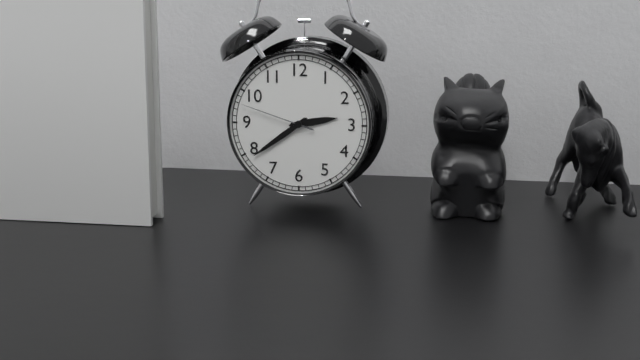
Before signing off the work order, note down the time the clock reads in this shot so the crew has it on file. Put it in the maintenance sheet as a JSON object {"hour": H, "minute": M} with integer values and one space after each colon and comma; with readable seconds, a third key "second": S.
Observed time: {"hour": 2, "minute": 39, "second": 48}
